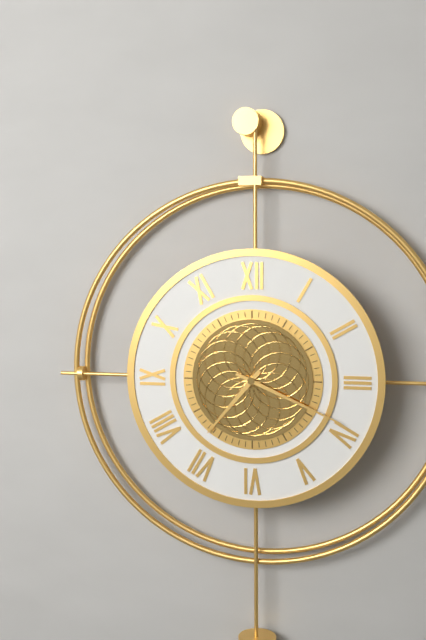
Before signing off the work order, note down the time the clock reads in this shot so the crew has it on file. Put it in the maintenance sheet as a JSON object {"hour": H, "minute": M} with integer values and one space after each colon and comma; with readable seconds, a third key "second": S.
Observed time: {"hour": 7, "minute": 19}
